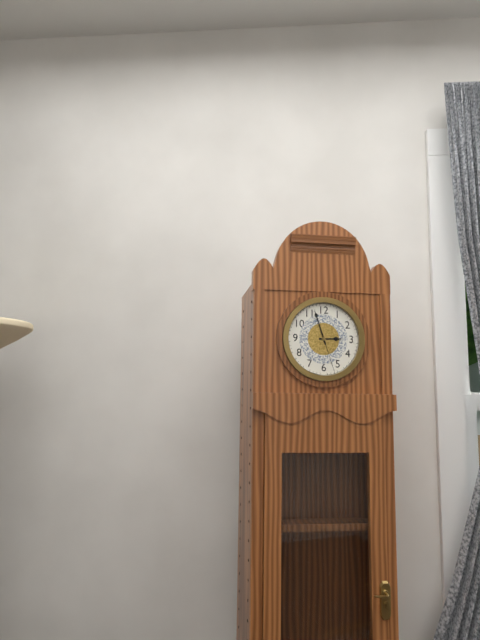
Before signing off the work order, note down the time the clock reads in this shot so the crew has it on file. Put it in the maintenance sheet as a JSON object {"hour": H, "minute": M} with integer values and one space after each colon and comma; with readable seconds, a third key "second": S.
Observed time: {"hour": 2, "minute": 57}
